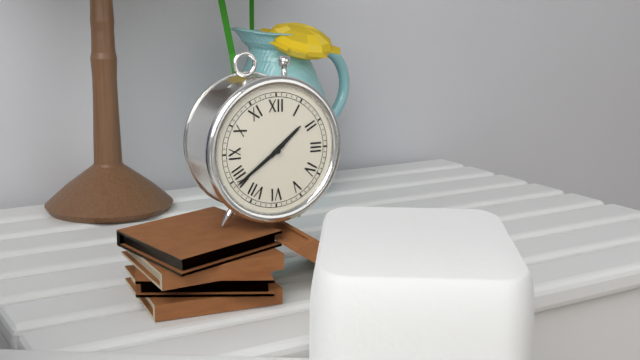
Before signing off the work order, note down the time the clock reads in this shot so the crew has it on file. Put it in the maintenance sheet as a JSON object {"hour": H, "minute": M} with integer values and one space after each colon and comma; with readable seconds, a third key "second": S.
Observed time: {"hour": 1, "minute": 39}
